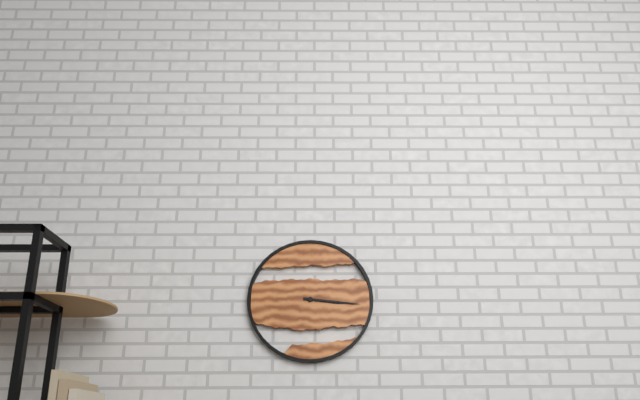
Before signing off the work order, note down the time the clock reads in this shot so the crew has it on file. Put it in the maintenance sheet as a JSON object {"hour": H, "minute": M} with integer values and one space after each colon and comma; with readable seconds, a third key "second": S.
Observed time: {"hour": 3, "minute": 16}
